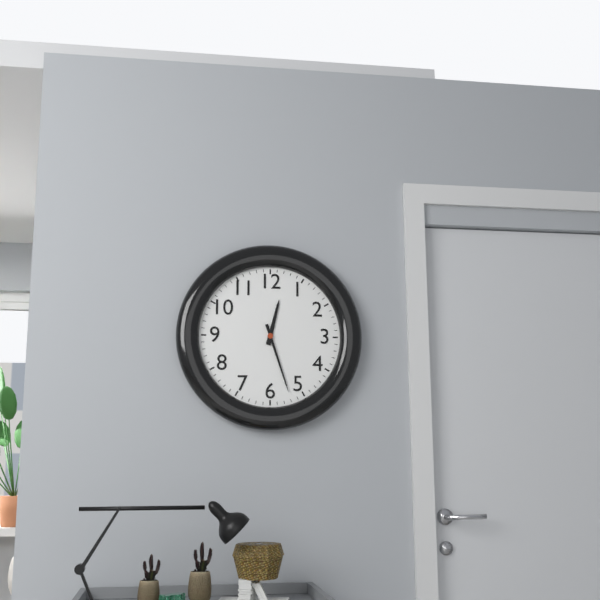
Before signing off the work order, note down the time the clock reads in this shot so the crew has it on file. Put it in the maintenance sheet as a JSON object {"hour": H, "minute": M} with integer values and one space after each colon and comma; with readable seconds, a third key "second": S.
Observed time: {"hour": 12, "minute": 27}
